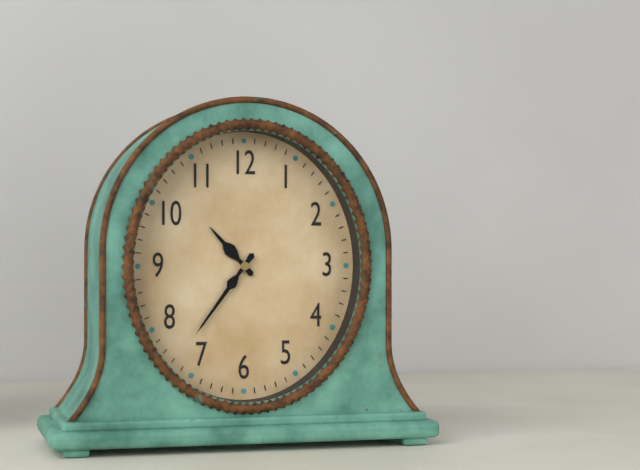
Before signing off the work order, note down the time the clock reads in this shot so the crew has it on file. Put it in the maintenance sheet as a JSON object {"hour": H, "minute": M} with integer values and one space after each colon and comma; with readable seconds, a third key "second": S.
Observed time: {"hour": 10, "minute": 36}
